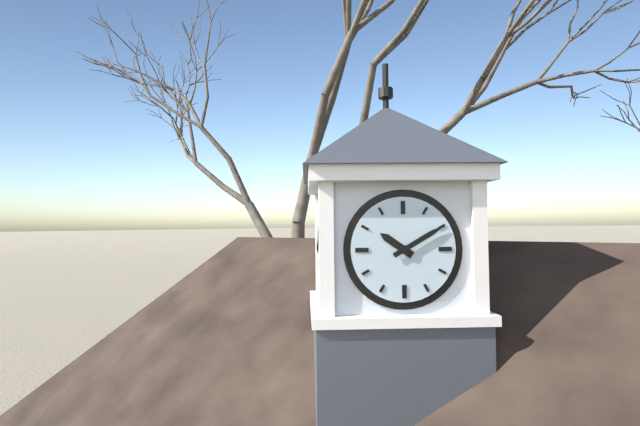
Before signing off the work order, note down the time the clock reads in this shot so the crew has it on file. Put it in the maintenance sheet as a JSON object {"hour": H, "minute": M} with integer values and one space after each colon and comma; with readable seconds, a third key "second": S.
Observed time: {"hour": 10, "minute": 10}
